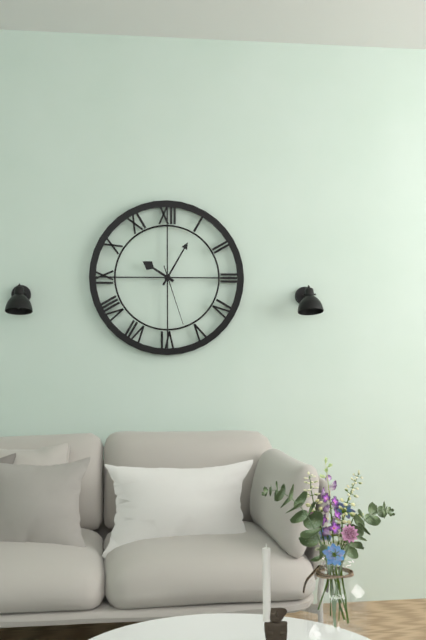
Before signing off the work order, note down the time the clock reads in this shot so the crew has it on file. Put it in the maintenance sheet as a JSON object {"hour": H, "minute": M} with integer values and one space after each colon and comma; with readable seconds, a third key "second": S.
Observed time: {"hour": 10, "minute": 5, "second": 27}
